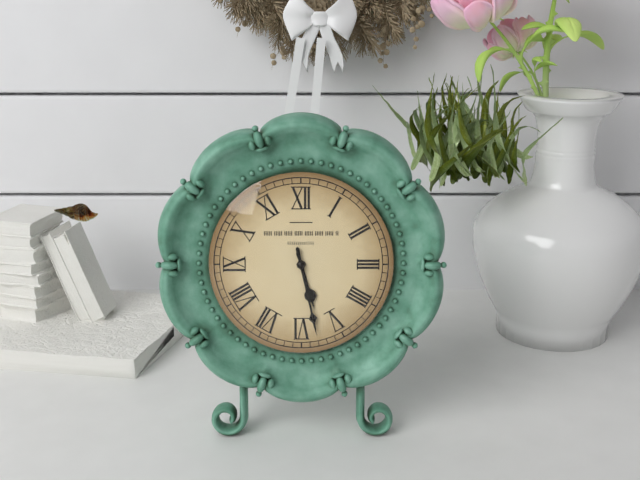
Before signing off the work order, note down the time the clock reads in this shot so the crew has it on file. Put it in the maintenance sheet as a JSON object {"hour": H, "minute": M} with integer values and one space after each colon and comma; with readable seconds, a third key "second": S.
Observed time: {"hour": 5, "minute": 28}
